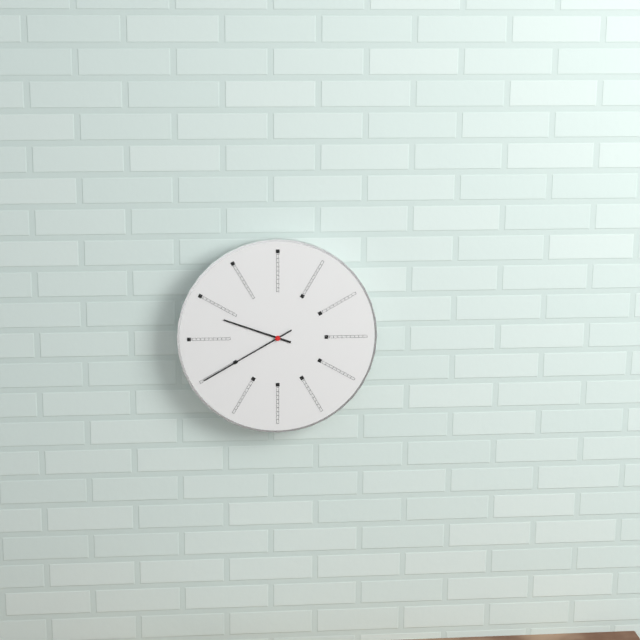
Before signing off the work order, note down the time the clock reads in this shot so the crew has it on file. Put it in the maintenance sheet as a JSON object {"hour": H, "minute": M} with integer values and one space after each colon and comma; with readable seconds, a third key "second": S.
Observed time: {"hour": 9, "minute": 40}
